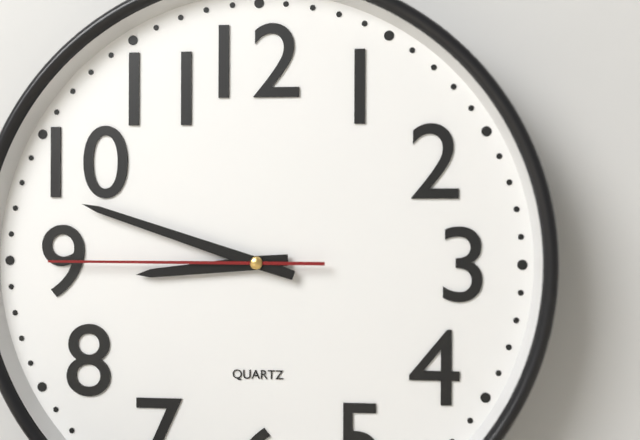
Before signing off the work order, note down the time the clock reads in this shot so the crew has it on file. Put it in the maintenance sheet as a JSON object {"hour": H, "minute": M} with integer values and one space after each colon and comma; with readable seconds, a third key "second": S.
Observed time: {"hour": 8, "minute": 48, "second": 45}
